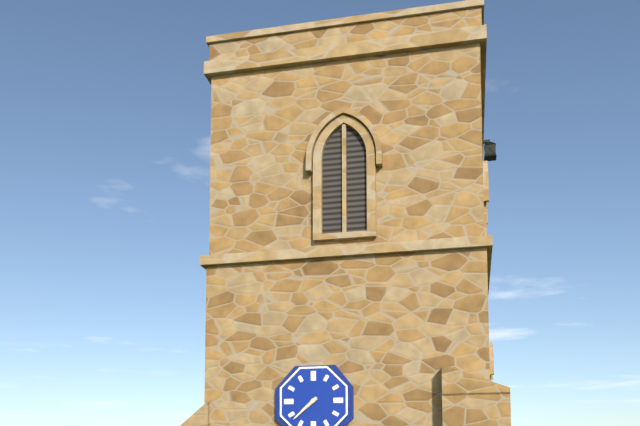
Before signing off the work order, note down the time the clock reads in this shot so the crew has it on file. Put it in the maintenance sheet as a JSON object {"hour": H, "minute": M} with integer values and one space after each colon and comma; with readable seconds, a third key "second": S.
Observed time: {"hour": 7, "minute": 38}
